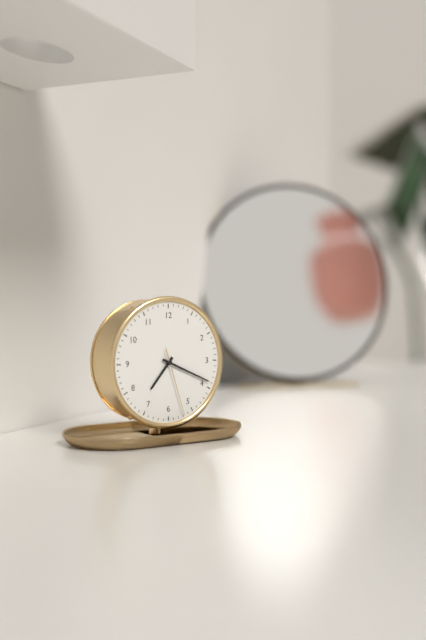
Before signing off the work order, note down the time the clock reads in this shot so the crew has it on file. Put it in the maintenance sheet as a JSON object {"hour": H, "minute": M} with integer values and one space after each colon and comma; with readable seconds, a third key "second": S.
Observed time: {"hour": 7, "minute": 19, "second": 27}
